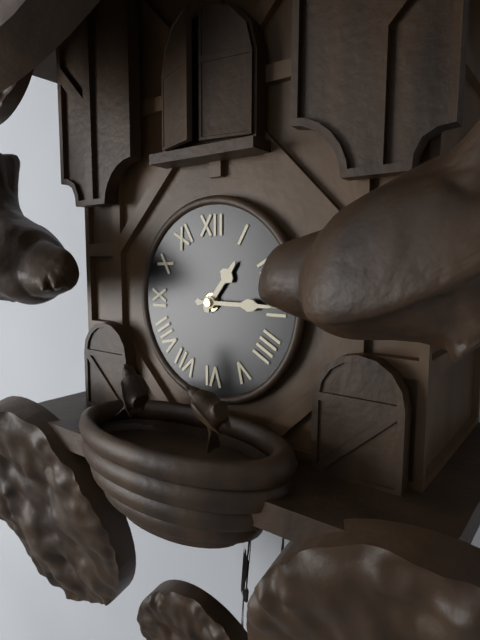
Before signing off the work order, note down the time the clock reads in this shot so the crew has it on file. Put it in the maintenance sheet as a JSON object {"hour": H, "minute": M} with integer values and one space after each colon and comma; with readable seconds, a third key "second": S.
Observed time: {"hour": 1, "minute": 15}
